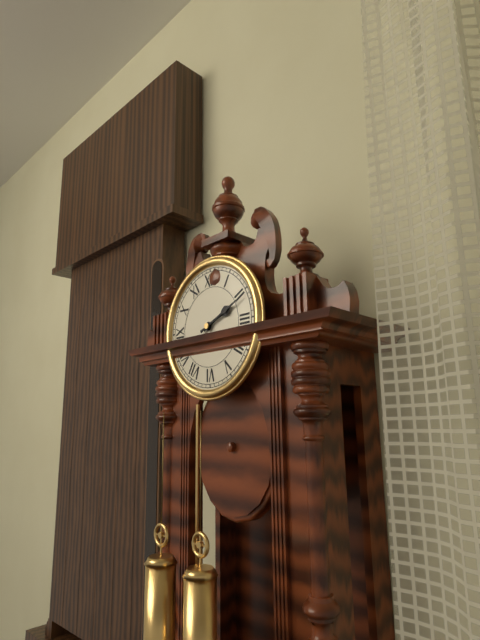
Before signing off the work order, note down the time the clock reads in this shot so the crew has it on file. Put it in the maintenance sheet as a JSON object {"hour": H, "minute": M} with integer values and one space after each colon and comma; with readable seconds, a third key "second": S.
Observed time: {"hour": 2, "minute": 11}
